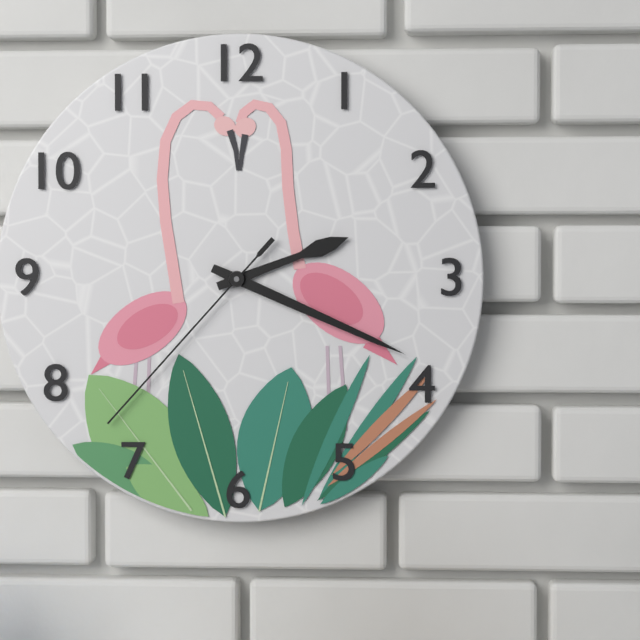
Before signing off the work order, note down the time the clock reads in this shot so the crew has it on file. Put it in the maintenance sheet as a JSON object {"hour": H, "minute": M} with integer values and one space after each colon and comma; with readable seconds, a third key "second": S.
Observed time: {"hour": 2, "minute": 19, "second": 37}
